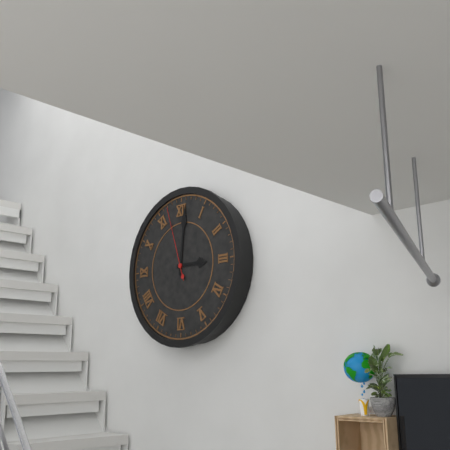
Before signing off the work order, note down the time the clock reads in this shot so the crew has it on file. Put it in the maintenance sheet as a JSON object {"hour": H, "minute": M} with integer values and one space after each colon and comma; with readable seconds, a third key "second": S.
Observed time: {"hour": 3, "minute": 1, "second": 57}
